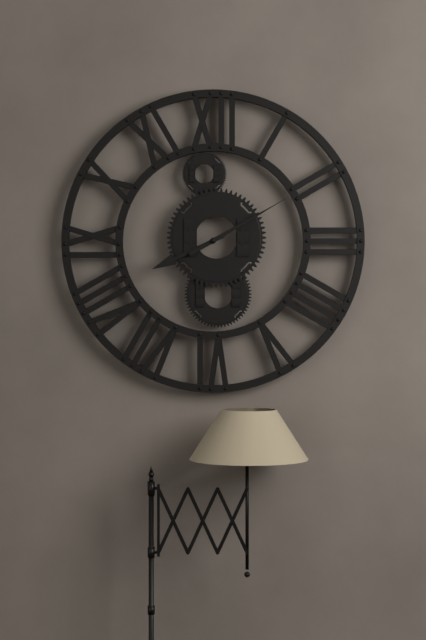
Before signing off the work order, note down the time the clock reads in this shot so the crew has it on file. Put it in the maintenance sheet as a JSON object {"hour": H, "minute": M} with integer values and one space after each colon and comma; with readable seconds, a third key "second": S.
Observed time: {"hour": 8, "minute": 10}
